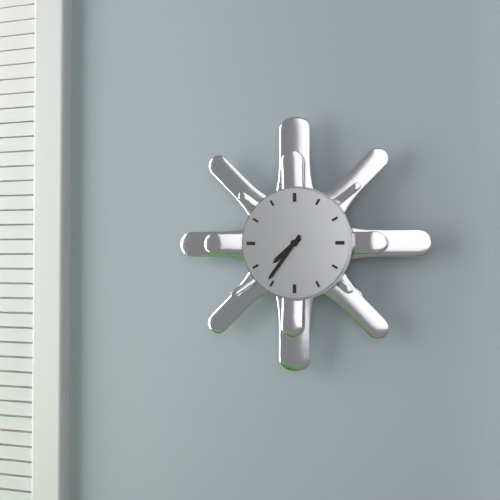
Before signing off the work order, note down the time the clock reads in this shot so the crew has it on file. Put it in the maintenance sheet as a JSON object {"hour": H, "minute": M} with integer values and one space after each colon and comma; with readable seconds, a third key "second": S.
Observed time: {"hour": 7, "minute": 36}
